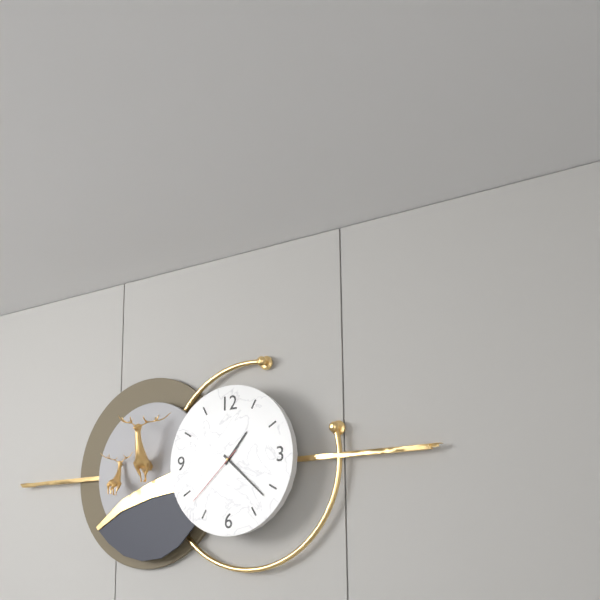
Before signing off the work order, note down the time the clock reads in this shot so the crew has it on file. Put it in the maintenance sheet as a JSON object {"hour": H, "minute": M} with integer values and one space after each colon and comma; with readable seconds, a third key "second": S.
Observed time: {"hour": 1, "minute": 22, "second": 38}
